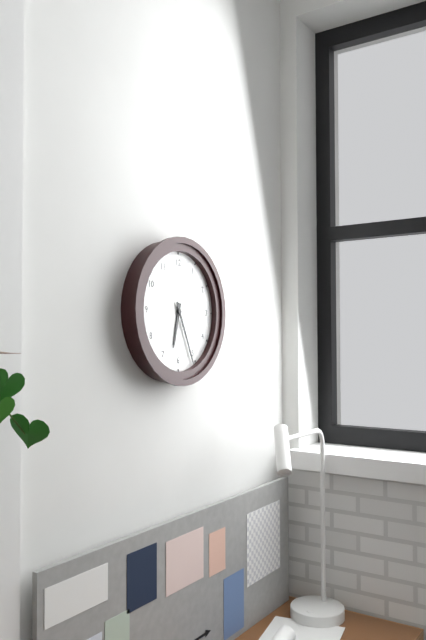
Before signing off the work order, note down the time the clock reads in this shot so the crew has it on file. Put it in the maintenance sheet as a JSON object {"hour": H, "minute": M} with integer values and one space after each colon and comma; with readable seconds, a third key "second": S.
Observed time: {"hour": 6, "minute": 26}
